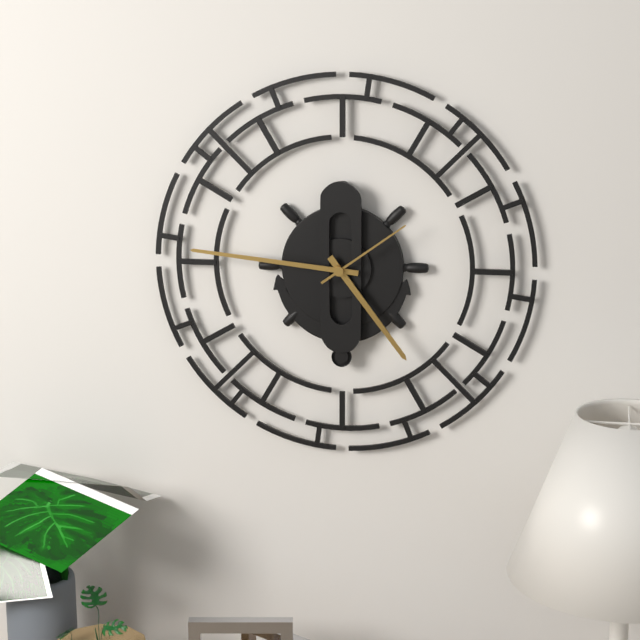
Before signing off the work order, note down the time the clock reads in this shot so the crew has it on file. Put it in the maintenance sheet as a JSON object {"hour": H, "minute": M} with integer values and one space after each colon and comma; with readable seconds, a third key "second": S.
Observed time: {"hour": 4, "minute": 46, "second": 9}
